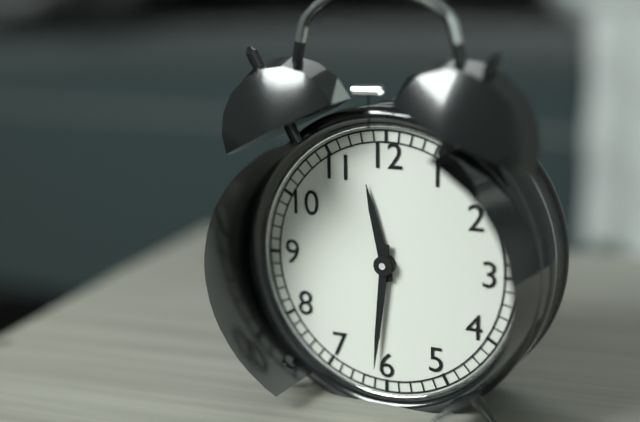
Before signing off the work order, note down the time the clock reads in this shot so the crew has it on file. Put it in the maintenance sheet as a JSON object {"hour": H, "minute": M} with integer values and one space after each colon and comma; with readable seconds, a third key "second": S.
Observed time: {"hour": 11, "minute": 31}
